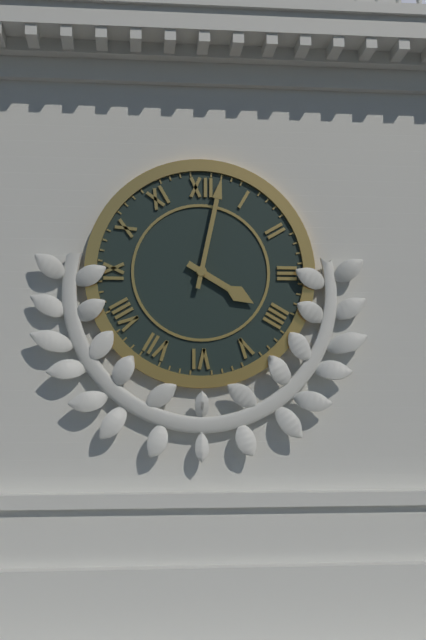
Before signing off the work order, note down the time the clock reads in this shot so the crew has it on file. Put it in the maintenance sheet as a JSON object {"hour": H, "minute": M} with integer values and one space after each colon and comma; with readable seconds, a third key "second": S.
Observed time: {"hour": 4, "minute": 2}
